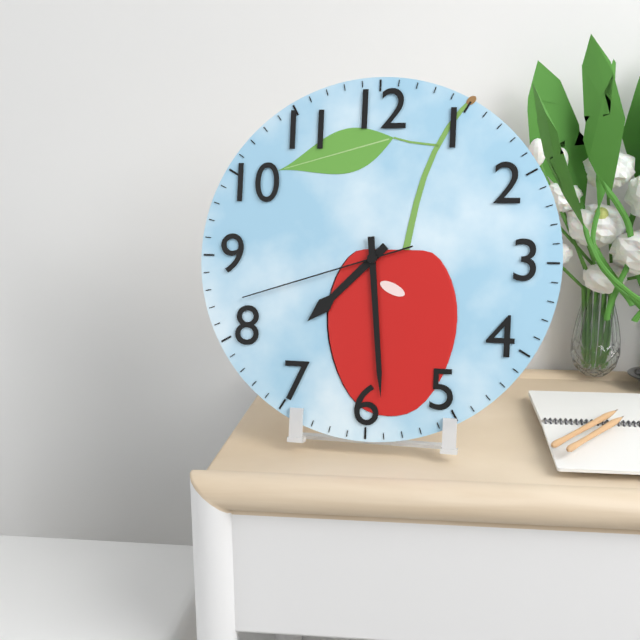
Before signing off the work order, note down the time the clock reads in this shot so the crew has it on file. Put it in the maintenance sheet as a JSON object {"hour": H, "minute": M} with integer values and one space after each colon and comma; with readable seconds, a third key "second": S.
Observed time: {"hour": 7, "minute": 29, "second": 42}
